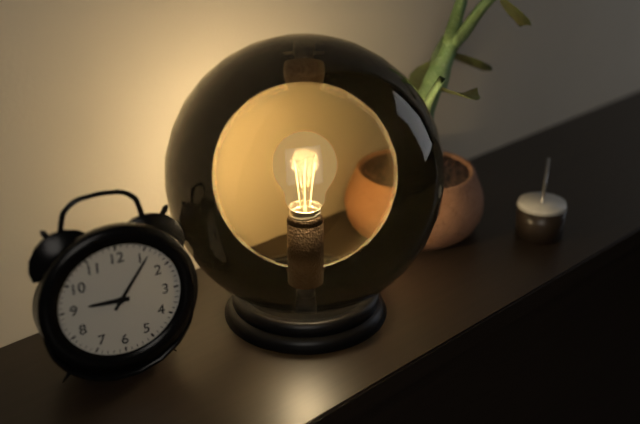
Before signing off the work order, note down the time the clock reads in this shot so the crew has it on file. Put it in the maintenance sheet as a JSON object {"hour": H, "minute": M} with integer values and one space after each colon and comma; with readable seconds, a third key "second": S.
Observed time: {"hour": 9, "minute": 6}
